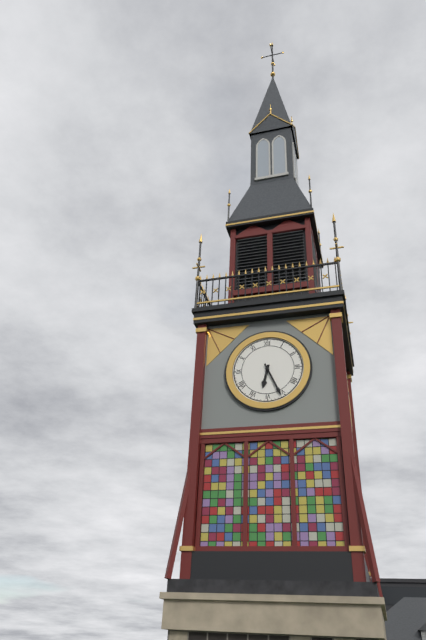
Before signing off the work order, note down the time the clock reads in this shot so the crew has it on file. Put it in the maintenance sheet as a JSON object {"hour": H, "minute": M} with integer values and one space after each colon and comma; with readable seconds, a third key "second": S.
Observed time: {"hour": 6, "minute": 26}
